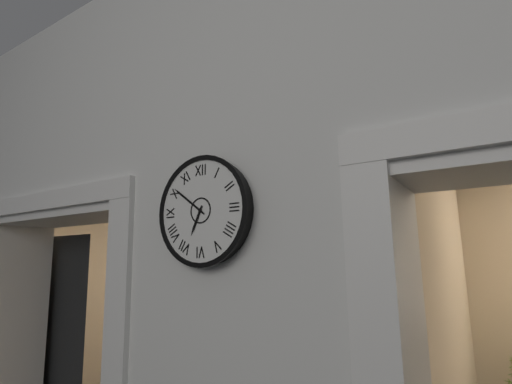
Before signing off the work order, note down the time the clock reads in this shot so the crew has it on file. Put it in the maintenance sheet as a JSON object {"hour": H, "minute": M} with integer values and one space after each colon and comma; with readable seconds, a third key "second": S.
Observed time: {"hour": 6, "minute": 51}
